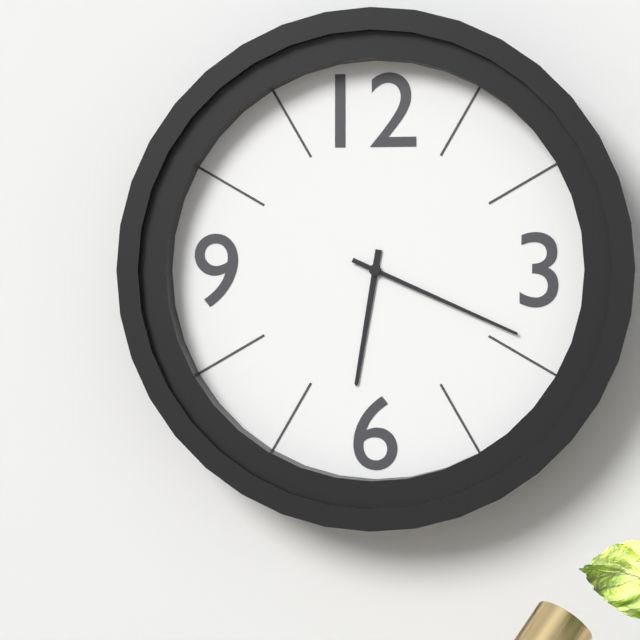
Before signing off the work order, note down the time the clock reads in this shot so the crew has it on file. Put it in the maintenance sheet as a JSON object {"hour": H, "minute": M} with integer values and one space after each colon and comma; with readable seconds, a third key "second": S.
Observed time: {"hour": 6, "minute": 19}
